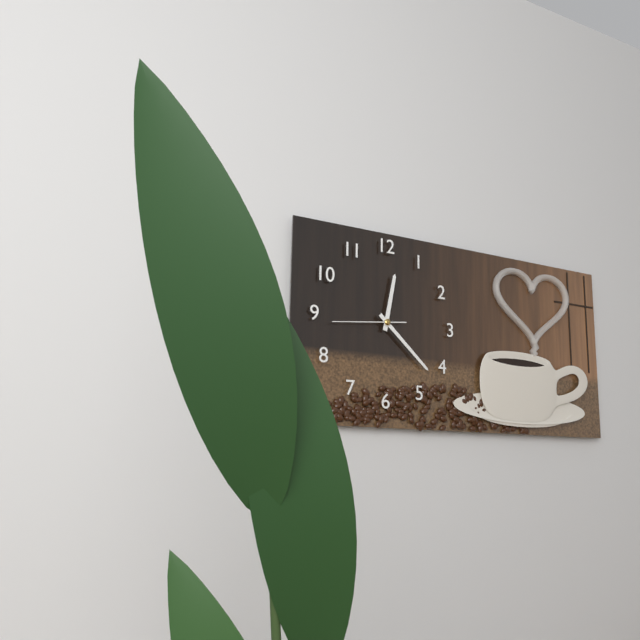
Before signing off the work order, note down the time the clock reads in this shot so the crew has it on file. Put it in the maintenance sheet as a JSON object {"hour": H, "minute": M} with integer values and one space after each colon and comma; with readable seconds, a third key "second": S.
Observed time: {"hour": 12, "minute": 22, "second": 44}
